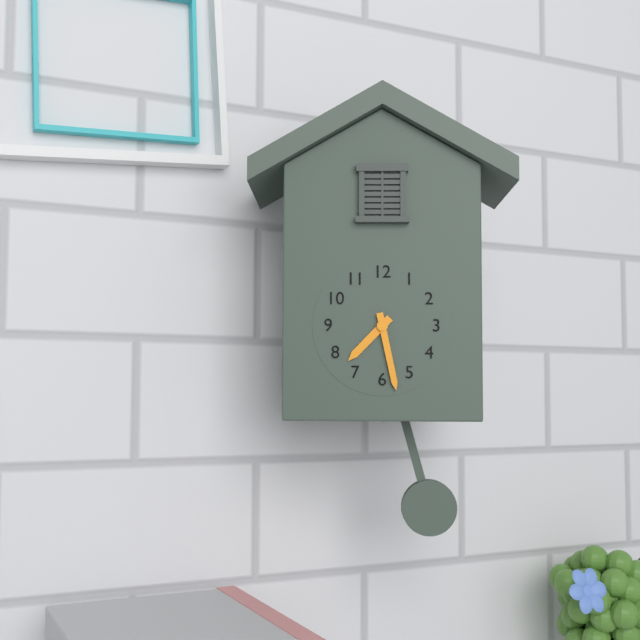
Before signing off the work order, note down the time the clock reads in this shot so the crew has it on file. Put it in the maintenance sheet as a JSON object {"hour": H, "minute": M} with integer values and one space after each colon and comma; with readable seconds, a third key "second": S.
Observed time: {"hour": 7, "minute": 28}
